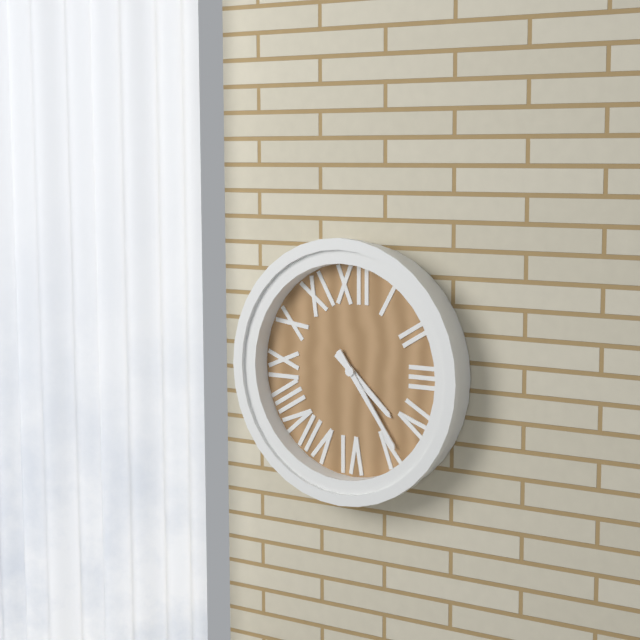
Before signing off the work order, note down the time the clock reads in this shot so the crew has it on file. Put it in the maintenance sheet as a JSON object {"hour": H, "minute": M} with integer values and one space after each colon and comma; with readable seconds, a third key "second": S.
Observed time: {"hour": 4, "minute": 24}
